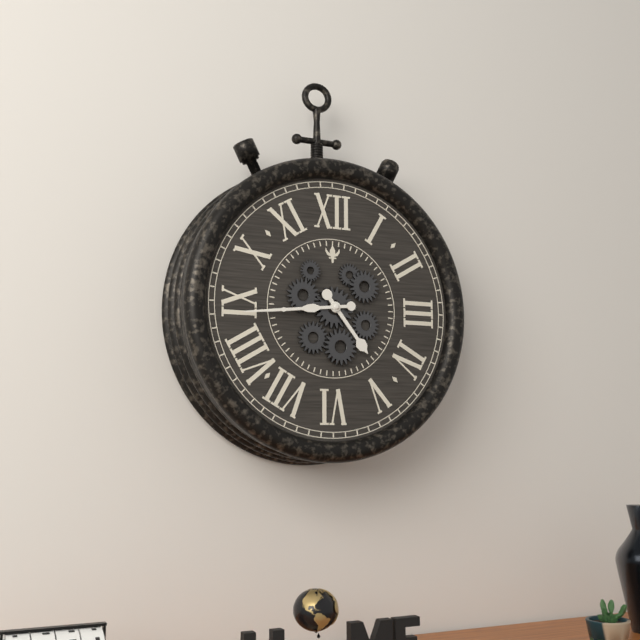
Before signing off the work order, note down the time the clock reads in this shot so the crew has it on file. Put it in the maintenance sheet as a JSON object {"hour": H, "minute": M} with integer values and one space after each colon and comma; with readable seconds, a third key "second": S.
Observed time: {"hour": 4, "minute": 44}
